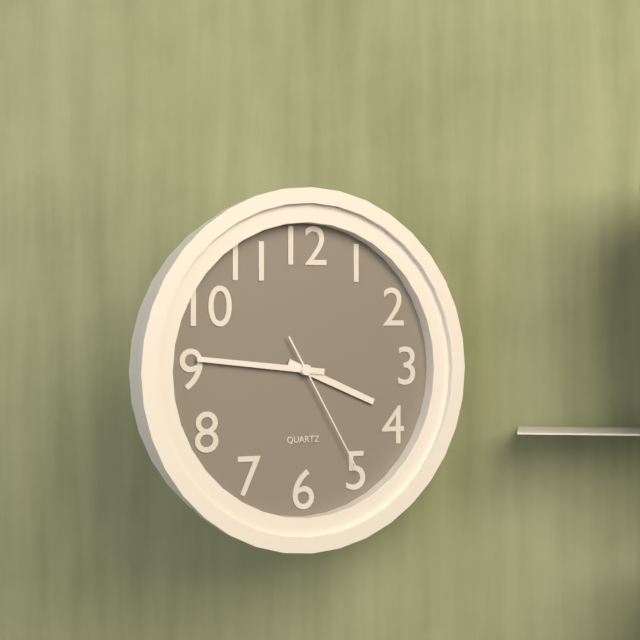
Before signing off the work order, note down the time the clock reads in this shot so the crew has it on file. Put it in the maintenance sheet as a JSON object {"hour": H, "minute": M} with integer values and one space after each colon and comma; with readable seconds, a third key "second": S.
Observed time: {"hour": 3, "minute": 46, "second": 25}
